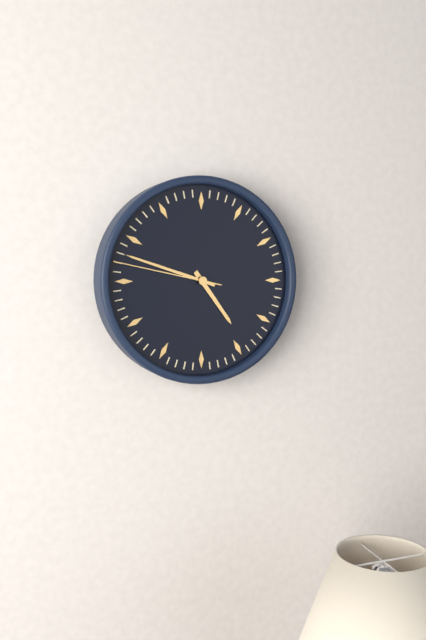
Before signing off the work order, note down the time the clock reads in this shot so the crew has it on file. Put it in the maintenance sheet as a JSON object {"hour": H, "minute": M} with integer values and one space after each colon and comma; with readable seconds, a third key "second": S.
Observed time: {"hour": 4, "minute": 48, "second": 47}
